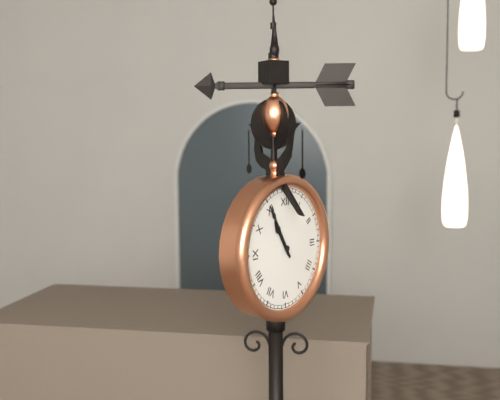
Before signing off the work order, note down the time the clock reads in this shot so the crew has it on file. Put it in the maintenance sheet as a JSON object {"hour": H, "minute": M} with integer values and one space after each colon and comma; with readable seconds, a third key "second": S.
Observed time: {"hour": 10, "minute": 55}
